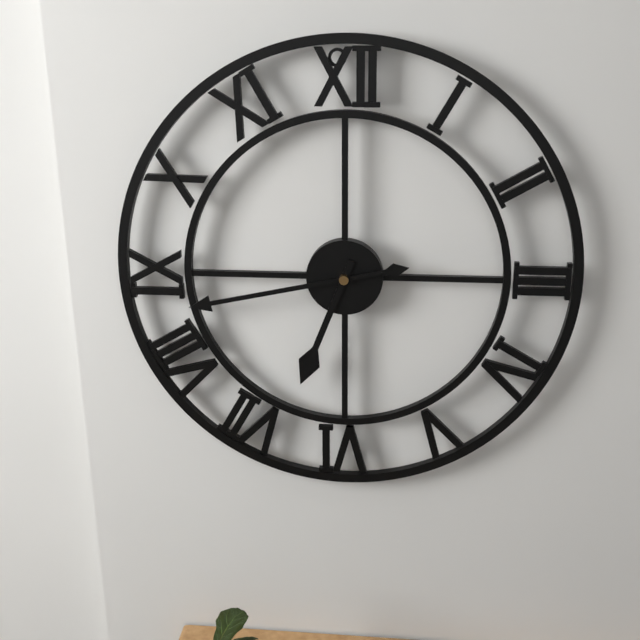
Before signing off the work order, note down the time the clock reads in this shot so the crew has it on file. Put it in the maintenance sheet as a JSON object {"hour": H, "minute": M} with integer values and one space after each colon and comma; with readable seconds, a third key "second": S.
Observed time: {"hour": 6, "minute": 43}
